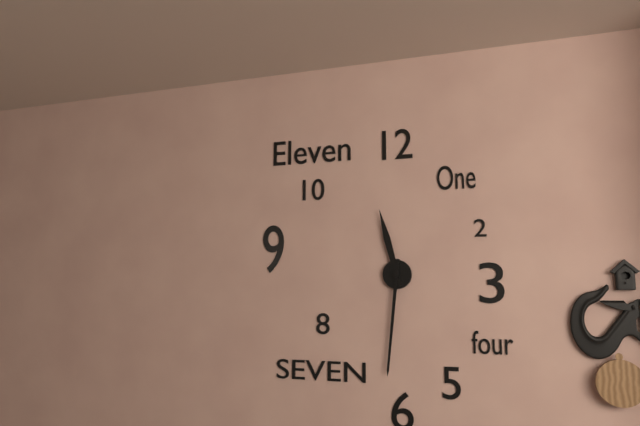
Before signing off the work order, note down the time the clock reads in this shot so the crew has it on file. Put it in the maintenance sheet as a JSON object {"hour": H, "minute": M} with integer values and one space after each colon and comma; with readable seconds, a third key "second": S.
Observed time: {"hour": 11, "minute": 31}
